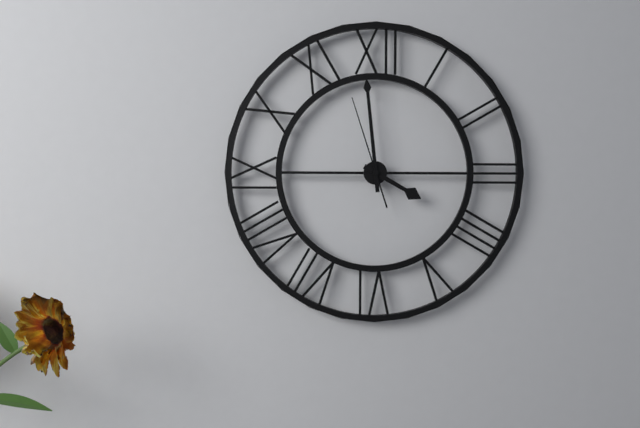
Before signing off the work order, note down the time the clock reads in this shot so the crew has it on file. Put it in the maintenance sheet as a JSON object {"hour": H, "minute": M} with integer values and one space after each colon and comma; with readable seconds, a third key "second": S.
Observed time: {"hour": 3, "minute": 59, "second": 57}
